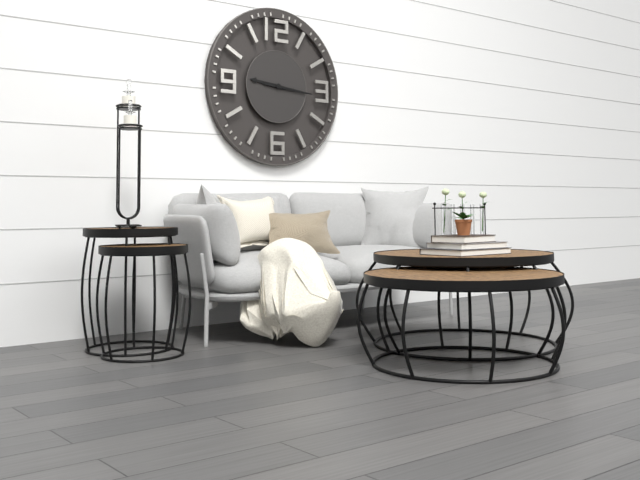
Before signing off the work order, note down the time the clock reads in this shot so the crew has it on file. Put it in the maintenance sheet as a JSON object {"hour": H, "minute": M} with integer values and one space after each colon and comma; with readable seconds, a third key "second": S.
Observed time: {"hour": 9, "minute": 16}
